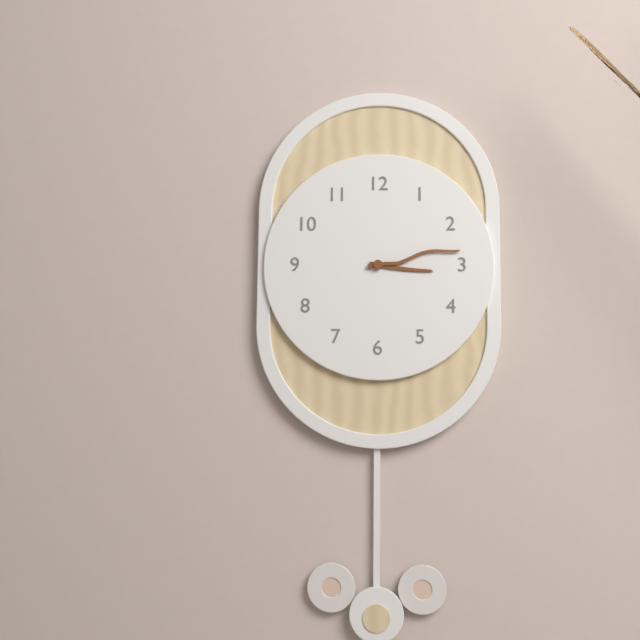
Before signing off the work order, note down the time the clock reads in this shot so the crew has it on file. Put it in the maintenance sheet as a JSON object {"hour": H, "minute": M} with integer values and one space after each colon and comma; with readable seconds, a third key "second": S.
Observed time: {"hour": 3, "minute": 13}
